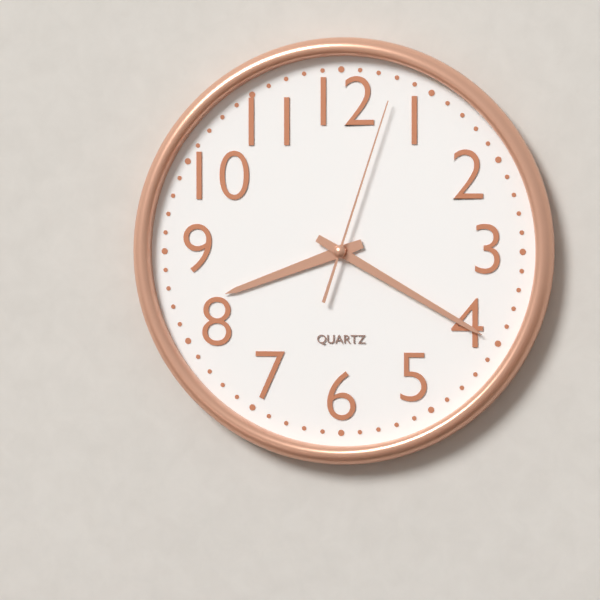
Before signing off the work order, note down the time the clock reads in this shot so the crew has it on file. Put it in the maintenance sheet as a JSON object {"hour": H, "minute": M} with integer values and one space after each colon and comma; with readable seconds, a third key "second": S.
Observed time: {"hour": 8, "minute": 20, "second": 3}
